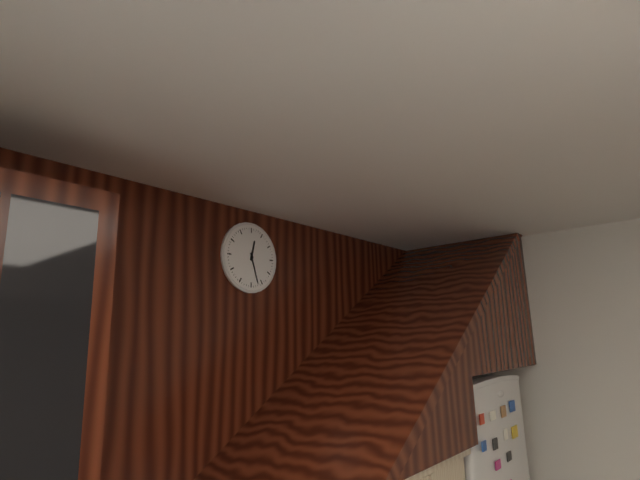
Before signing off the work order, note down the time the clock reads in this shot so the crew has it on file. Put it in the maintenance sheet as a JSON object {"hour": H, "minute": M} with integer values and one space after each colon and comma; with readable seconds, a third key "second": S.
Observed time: {"hour": 12, "minute": 27}
